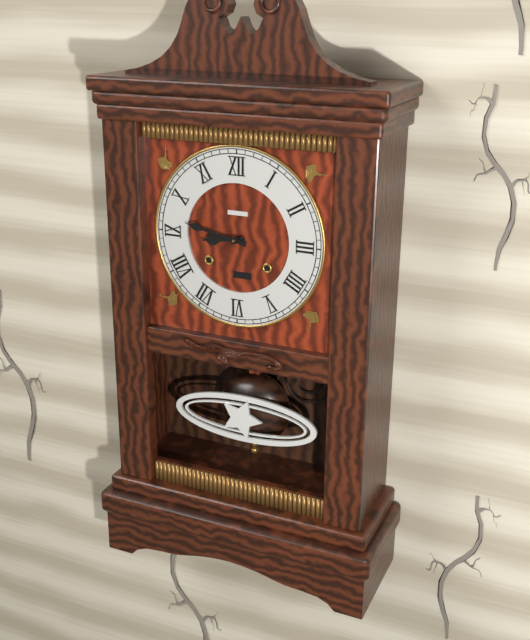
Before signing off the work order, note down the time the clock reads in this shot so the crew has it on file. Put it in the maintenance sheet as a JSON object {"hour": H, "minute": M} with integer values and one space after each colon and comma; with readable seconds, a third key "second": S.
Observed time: {"hour": 8, "minute": 47}
